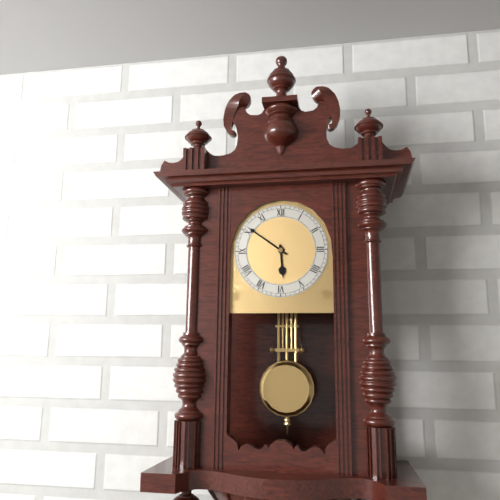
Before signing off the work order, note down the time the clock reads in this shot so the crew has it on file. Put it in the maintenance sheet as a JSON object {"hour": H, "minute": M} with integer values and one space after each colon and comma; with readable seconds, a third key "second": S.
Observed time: {"hour": 5, "minute": 51}
